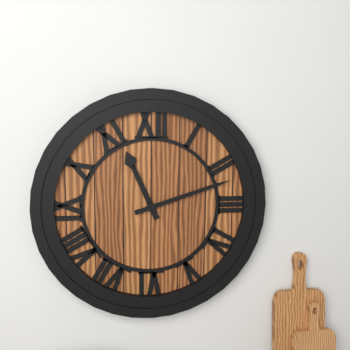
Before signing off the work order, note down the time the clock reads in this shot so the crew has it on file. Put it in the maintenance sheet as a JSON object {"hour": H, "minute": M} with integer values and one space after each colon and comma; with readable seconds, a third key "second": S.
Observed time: {"hour": 11, "minute": 12}
